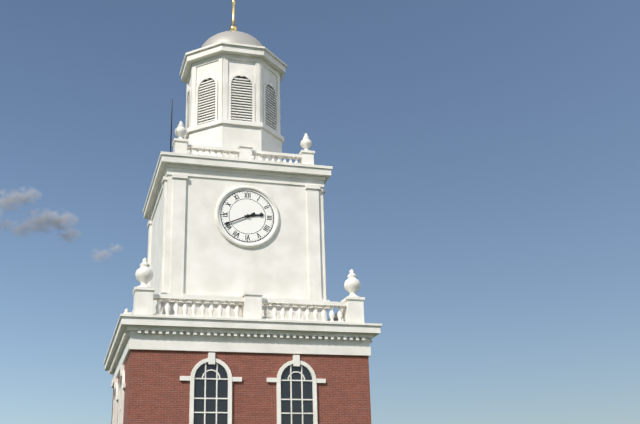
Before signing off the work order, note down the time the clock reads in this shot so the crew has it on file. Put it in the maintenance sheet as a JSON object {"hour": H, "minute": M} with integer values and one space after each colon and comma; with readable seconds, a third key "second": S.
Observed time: {"hour": 2, "minute": 41}
